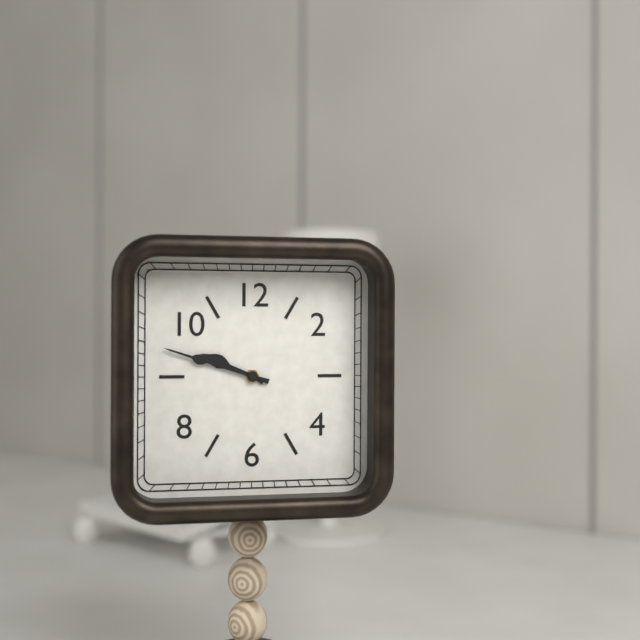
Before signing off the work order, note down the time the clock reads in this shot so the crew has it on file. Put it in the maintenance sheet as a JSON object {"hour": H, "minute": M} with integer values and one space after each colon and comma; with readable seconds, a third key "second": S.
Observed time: {"hour": 9, "minute": 48}
